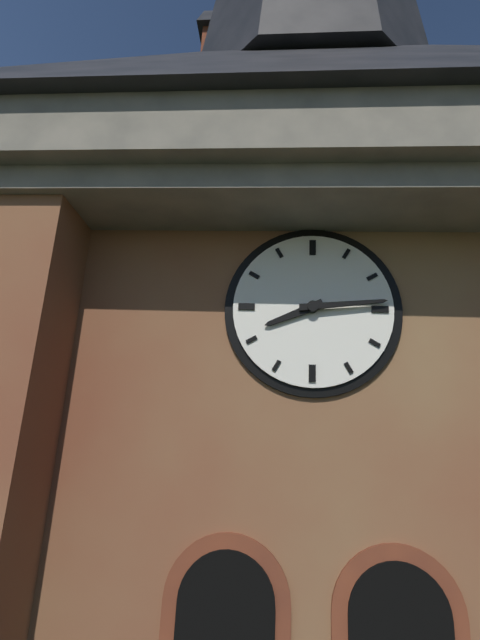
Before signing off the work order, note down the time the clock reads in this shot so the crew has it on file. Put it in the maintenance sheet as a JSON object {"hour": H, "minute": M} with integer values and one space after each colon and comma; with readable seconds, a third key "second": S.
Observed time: {"hour": 8, "minute": 14}
